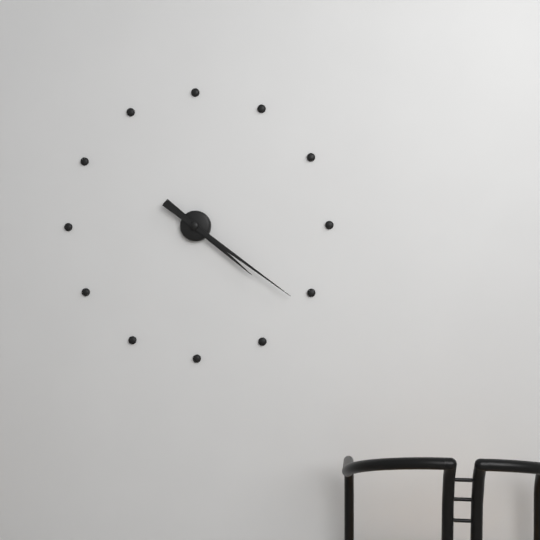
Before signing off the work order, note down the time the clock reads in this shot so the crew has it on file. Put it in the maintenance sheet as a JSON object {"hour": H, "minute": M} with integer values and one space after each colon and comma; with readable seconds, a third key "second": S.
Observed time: {"hour": 4, "minute": 21}
